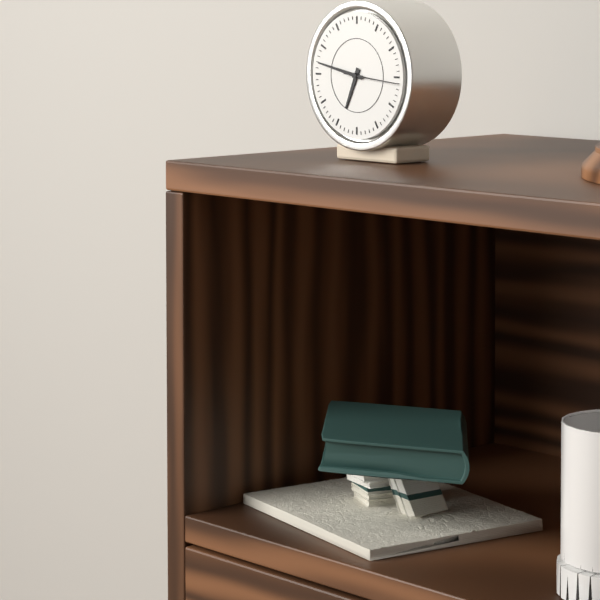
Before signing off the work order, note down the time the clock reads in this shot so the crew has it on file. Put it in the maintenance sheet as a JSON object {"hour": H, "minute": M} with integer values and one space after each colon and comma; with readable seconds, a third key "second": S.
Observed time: {"hour": 6, "minute": 47}
